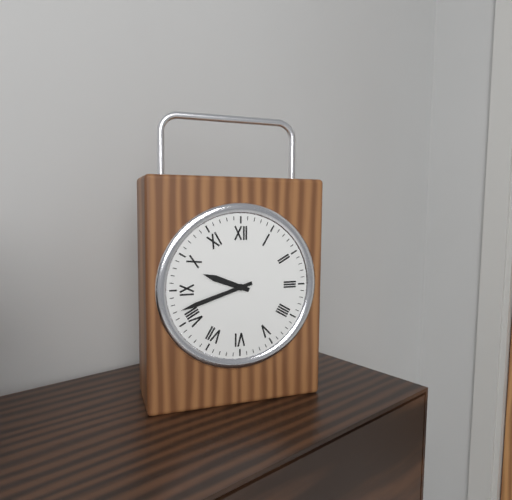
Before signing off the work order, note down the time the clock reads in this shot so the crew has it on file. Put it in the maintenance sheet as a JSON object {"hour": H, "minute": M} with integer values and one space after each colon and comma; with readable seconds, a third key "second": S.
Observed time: {"hour": 9, "minute": 42}
